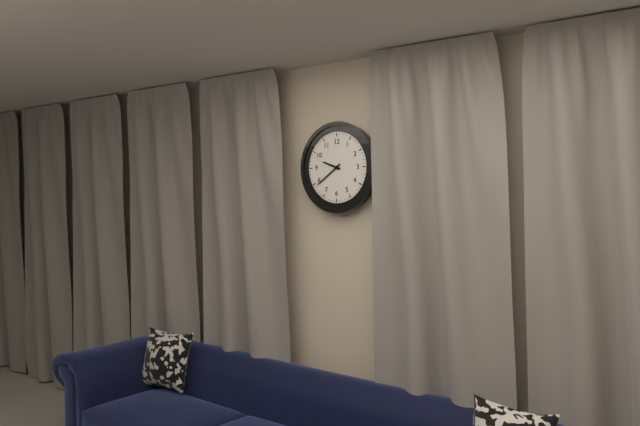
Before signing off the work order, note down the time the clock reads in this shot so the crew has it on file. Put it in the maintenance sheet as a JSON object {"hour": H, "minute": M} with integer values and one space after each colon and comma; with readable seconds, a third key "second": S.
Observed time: {"hour": 9, "minute": 39}
